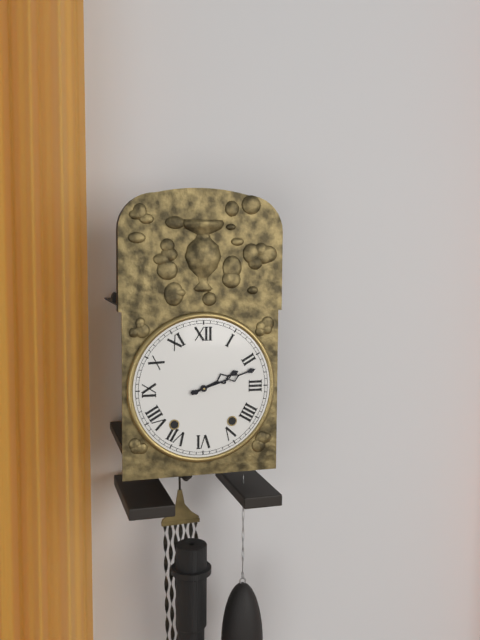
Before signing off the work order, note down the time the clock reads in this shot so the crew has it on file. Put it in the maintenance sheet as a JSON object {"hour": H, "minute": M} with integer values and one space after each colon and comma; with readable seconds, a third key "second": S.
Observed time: {"hour": 2, "minute": 12}
